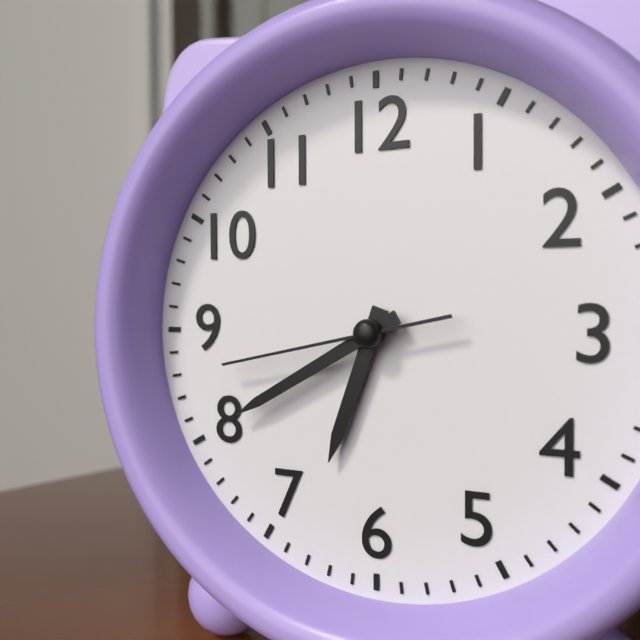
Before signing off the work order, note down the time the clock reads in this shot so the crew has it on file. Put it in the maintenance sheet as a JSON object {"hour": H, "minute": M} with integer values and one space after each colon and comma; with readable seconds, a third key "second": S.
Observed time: {"hour": 6, "minute": 40, "second": 43}
